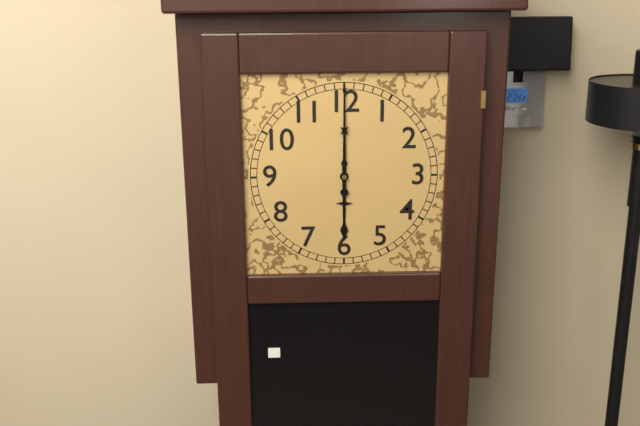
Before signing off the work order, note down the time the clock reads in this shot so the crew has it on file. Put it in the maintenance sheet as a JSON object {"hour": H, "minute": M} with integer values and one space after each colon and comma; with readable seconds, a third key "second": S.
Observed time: {"hour": 6, "minute": 0}
